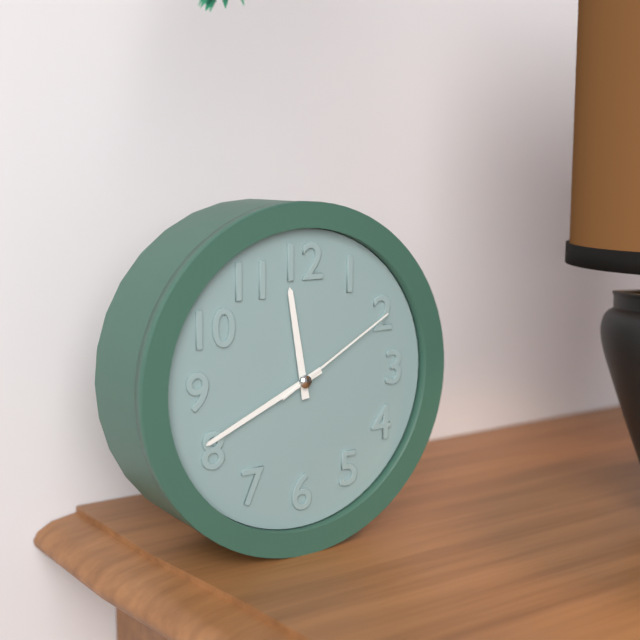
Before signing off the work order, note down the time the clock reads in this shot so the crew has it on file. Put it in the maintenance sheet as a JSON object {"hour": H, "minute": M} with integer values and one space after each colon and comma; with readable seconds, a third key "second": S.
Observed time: {"hour": 11, "minute": 41, "second": 10}
